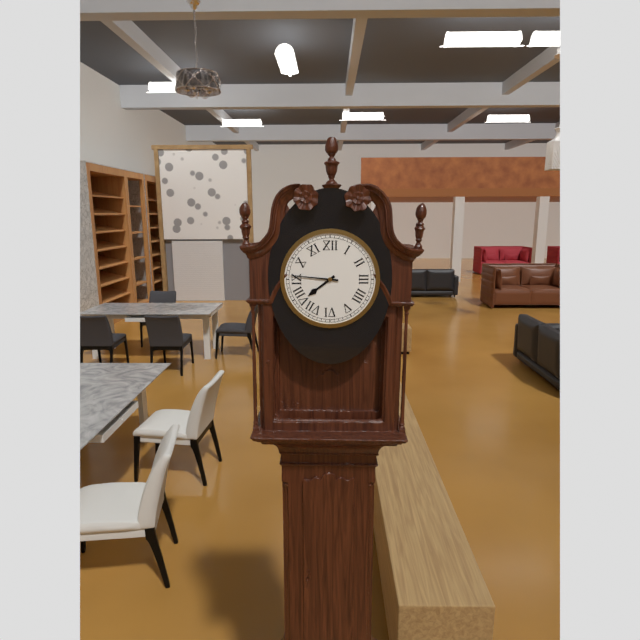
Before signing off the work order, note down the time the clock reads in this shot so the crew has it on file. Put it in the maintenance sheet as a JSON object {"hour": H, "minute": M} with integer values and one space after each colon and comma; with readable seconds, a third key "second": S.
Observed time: {"hour": 7, "minute": 46}
